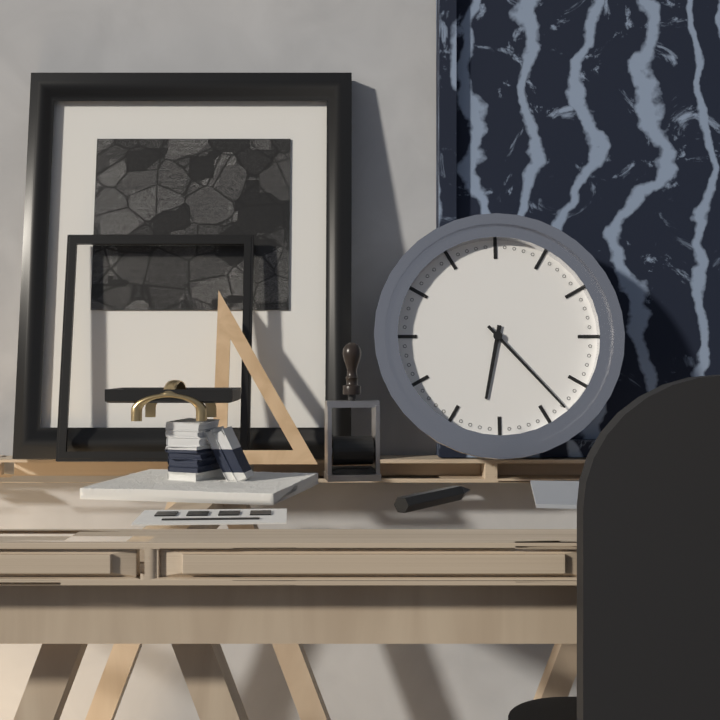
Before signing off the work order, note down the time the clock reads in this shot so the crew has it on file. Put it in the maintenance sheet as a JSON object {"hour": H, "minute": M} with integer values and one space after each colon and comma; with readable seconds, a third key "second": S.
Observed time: {"hour": 6, "minute": 23}
